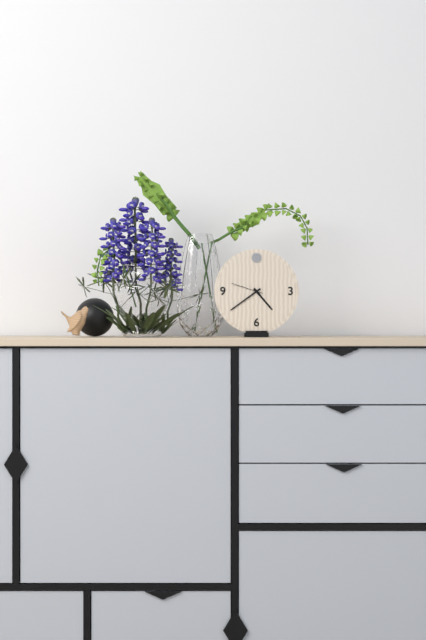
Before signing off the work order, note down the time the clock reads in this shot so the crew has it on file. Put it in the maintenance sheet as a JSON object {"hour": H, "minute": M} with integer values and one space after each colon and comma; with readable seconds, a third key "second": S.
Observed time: {"hour": 4, "minute": 39}
